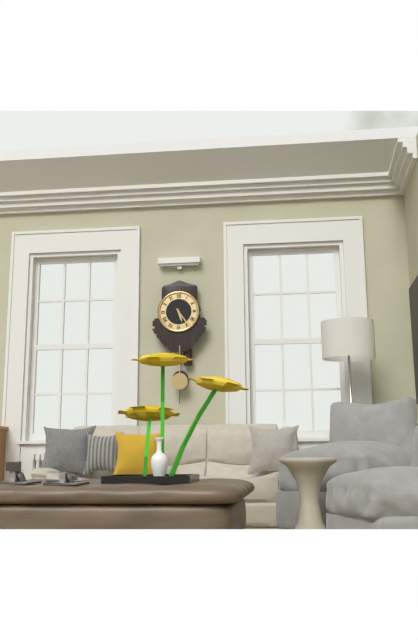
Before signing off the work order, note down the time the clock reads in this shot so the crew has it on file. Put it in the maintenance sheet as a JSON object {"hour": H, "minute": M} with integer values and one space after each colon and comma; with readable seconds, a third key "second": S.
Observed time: {"hour": 5, "minute": 24}
